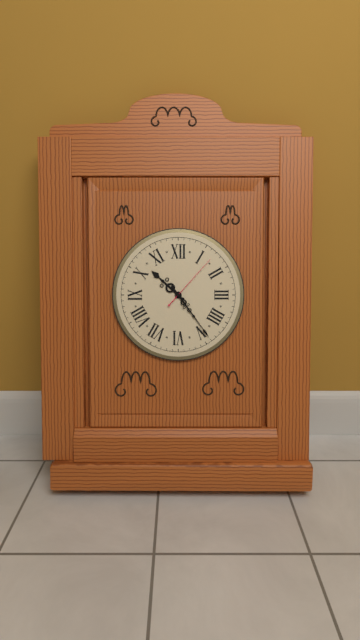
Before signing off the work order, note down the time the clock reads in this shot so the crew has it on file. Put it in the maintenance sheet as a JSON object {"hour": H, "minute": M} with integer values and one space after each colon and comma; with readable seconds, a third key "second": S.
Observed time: {"hour": 10, "minute": 24, "second": 7}
